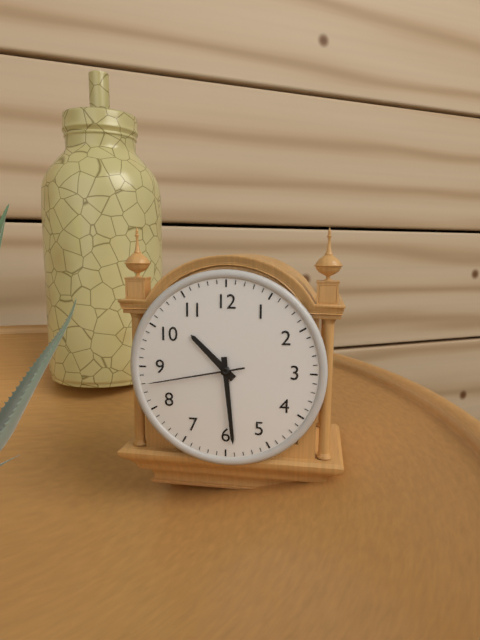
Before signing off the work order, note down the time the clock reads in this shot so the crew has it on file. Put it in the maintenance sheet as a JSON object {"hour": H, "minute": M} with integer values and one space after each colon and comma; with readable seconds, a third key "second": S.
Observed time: {"hour": 10, "minute": 29, "second": 43}
